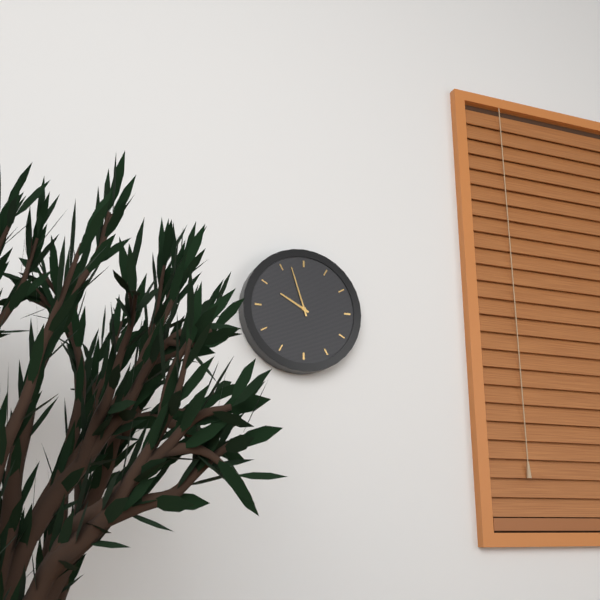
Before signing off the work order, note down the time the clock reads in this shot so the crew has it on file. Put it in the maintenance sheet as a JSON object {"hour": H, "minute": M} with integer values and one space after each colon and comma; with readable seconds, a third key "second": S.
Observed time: {"hour": 9, "minute": 57}
